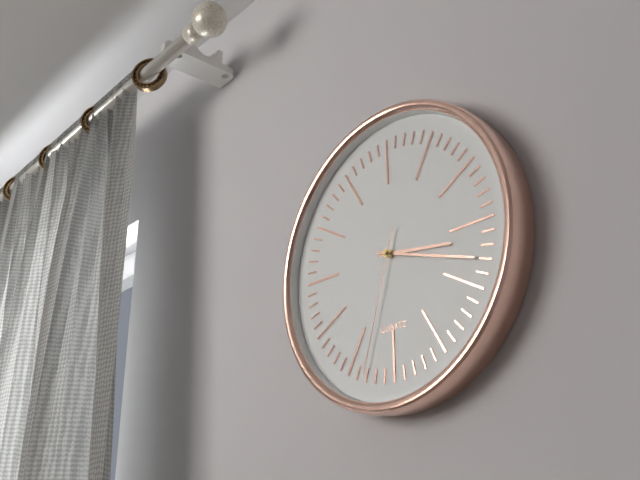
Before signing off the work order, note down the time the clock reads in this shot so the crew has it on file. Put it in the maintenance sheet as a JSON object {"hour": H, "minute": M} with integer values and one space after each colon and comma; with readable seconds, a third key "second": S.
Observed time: {"hour": 3, "minute": 18, "second": 33}
